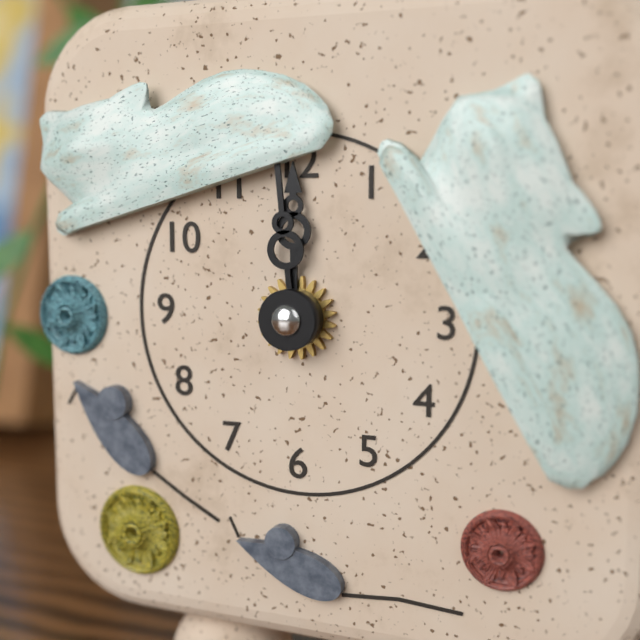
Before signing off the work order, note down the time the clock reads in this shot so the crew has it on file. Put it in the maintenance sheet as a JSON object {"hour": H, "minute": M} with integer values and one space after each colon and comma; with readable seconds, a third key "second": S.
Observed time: {"hour": 11, "minute": 59}
